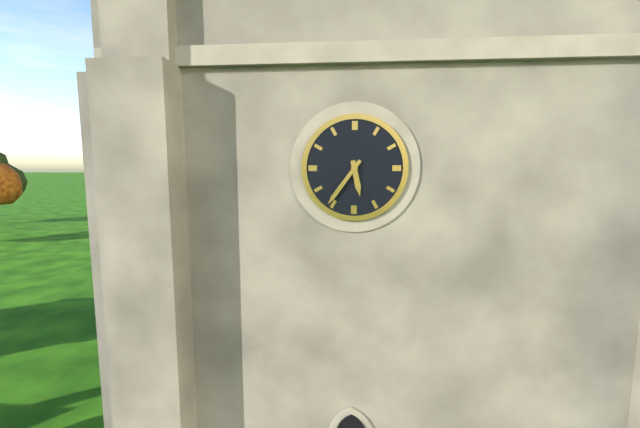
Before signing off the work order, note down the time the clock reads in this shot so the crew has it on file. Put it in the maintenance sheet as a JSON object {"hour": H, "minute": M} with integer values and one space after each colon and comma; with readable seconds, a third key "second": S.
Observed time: {"hour": 5, "minute": 36}
